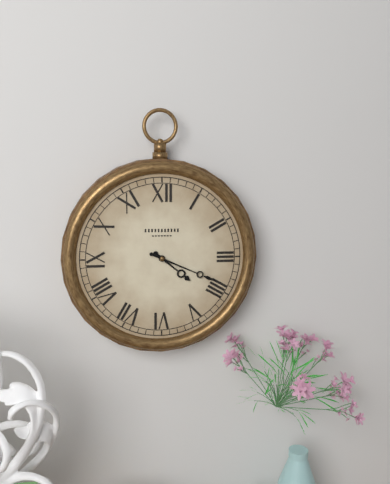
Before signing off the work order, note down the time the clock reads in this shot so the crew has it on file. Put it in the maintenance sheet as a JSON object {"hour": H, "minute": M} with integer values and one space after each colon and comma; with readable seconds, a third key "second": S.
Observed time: {"hour": 4, "minute": 19}
